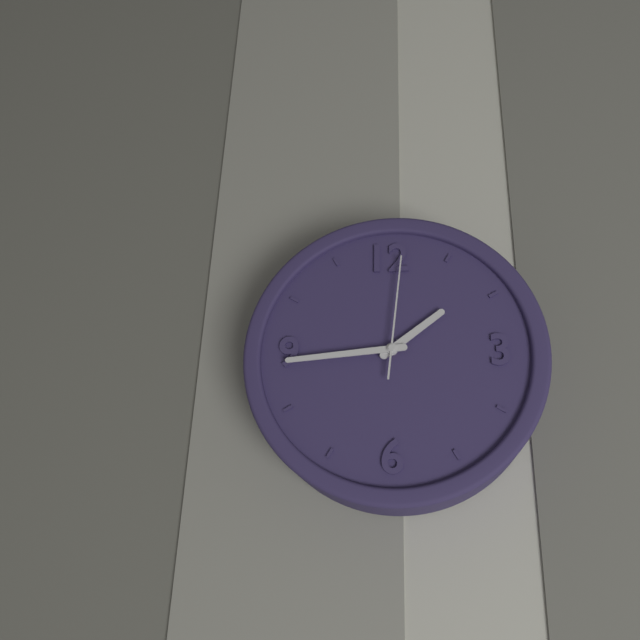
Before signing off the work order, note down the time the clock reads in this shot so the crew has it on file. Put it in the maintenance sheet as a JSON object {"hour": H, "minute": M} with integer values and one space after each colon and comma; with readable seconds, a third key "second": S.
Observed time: {"hour": 1, "minute": 44, "second": 1}
